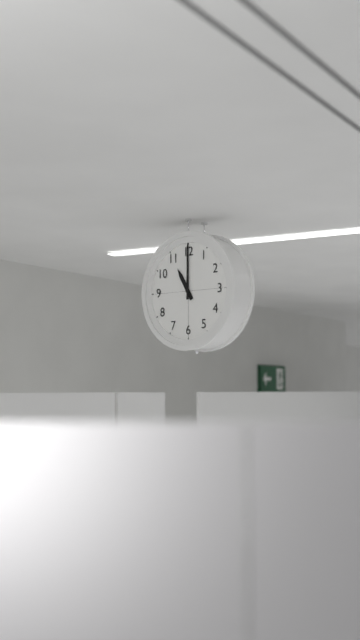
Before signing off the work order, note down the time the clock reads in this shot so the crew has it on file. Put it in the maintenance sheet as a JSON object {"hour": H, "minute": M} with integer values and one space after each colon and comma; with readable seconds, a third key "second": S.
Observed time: {"hour": 11, "minute": 0}
